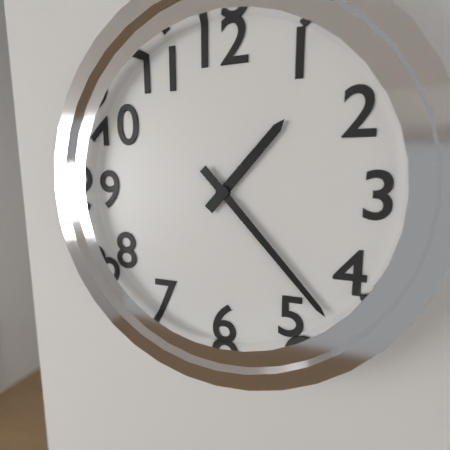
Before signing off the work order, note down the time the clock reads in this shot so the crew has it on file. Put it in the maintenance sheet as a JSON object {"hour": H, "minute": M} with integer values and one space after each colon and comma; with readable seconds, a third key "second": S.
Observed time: {"hour": 1, "minute": 23}
